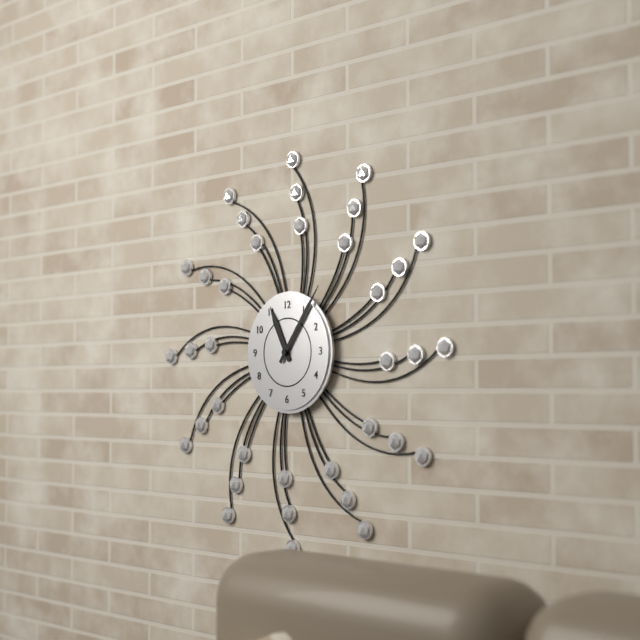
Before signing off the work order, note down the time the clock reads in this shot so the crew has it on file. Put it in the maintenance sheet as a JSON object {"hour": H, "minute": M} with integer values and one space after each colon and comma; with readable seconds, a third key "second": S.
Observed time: {"hour": 11, "minute": 6}
